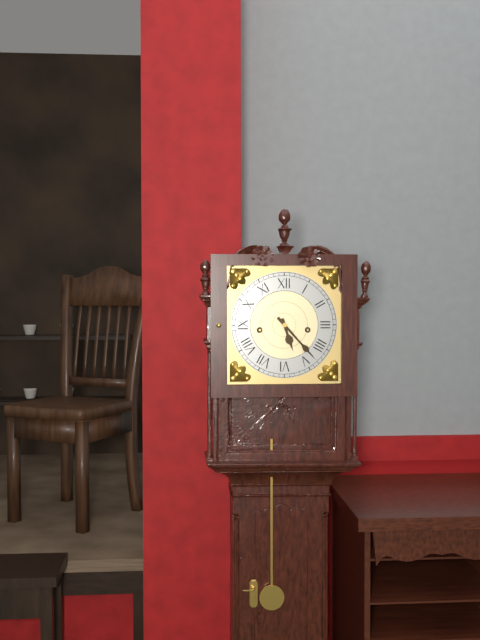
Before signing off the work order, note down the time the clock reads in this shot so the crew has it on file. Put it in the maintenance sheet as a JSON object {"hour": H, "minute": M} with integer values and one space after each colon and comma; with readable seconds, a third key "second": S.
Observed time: {"hour": 5, "minute": 23}
